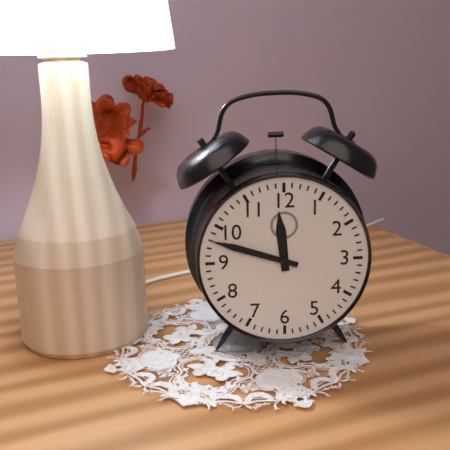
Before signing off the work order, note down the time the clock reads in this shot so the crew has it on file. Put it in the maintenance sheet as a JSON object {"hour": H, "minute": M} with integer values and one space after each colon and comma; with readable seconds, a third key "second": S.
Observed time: {"hour": 11, "minute": 48}
